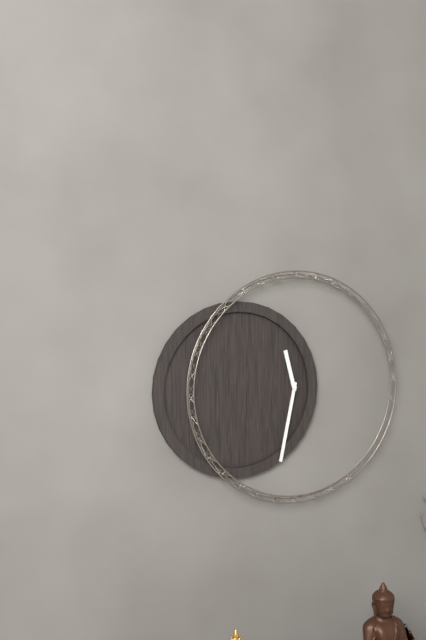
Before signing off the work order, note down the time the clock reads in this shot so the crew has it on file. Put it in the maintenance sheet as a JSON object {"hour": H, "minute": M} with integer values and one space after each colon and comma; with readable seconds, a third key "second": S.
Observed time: {"hour": 11, "minute": 32}
